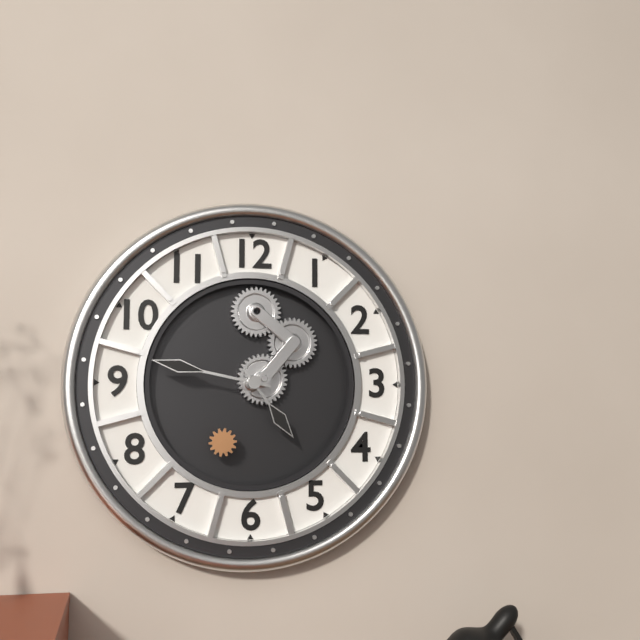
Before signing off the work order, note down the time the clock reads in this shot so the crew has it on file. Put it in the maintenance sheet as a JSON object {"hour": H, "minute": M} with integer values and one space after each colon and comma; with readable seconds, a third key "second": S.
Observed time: {"hour": 4, "minute": 47}
